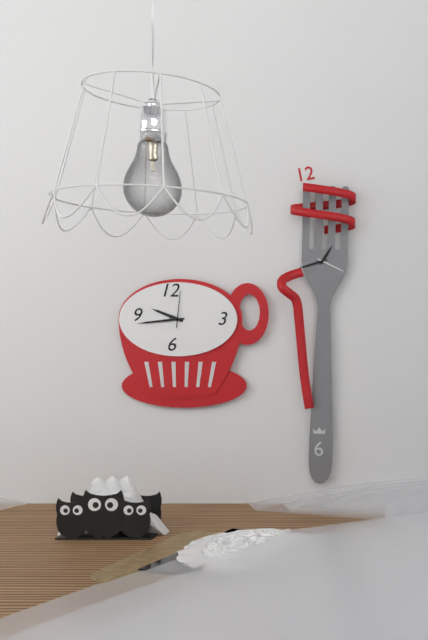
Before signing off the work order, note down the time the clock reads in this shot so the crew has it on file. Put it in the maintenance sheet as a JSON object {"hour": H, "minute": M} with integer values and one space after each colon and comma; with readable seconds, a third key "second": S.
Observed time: {"hour": 9, "minute": 44}
